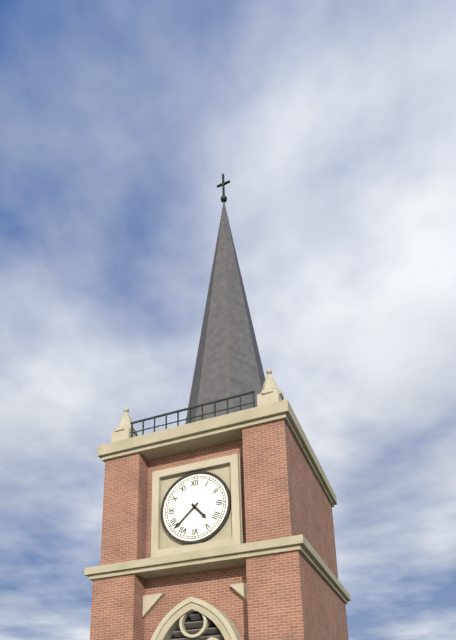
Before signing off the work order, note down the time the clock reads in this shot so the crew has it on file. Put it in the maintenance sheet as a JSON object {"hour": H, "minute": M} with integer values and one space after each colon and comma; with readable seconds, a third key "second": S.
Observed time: {"hour": 4, "minute": 38}
